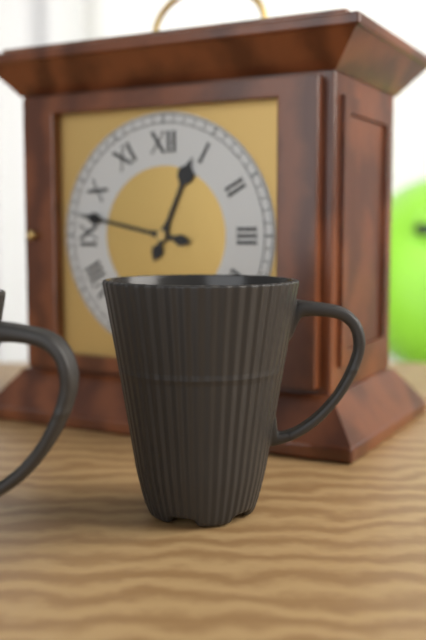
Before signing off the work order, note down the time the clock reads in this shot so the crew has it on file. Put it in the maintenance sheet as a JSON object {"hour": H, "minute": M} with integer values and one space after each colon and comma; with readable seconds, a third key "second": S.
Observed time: {"hour": 12, "minute": 47}
